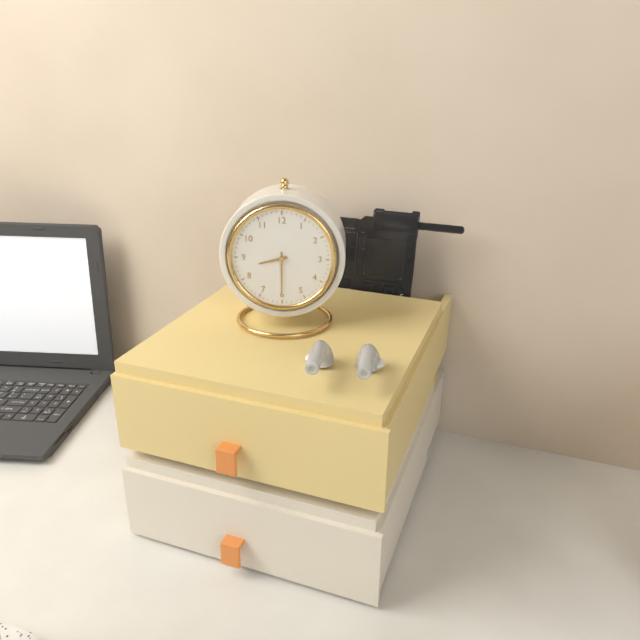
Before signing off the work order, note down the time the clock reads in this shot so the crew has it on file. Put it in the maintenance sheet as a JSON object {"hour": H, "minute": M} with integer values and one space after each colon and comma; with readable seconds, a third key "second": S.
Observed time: {"hour": 8, "minute": 30}
